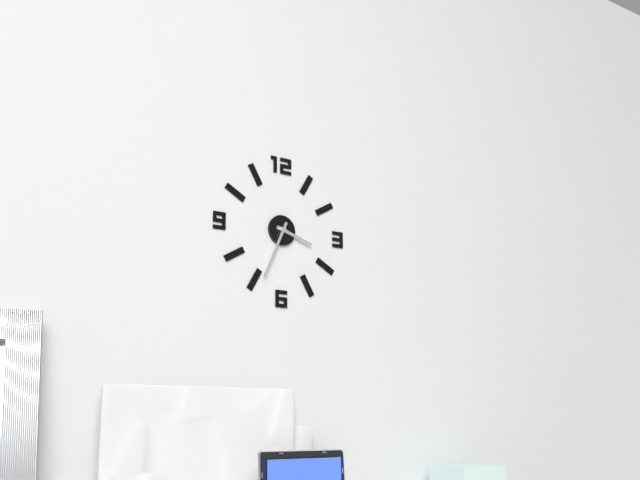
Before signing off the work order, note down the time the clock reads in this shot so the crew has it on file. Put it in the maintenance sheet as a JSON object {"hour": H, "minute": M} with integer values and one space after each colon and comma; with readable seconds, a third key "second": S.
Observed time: {"hour": 3, "minute": 34}
